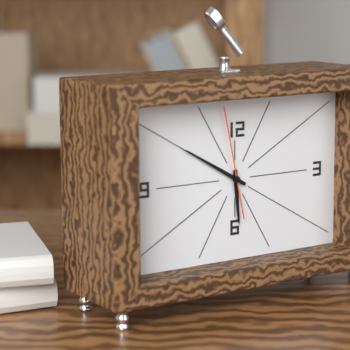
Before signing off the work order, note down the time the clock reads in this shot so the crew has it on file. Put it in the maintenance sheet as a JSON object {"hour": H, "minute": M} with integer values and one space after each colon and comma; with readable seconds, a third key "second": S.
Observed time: {"hour": 5, "minute": 50, "second": 58}
